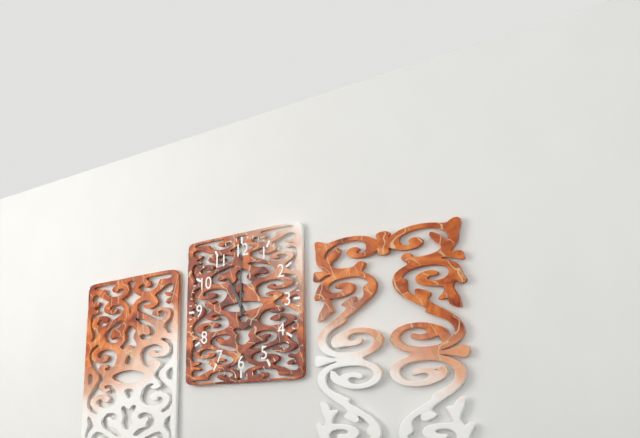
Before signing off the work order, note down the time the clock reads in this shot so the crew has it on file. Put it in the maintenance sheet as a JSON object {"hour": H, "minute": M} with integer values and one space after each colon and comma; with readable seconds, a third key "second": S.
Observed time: {"hour": 11, "minute": 0}
